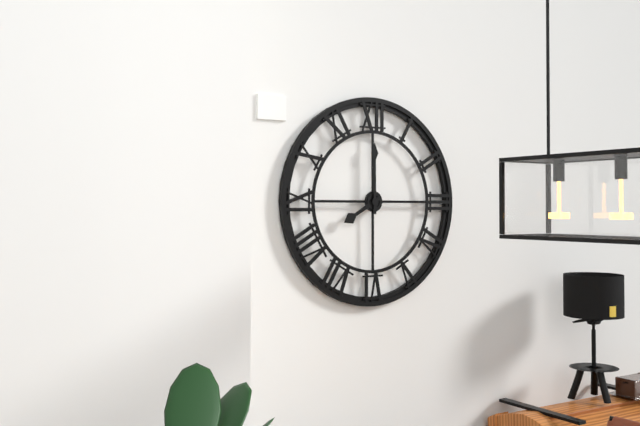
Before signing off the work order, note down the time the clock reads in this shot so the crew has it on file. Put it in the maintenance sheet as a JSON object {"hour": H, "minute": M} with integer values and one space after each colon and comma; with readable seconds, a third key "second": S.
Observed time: {"hour": 8, "minute": 0}
